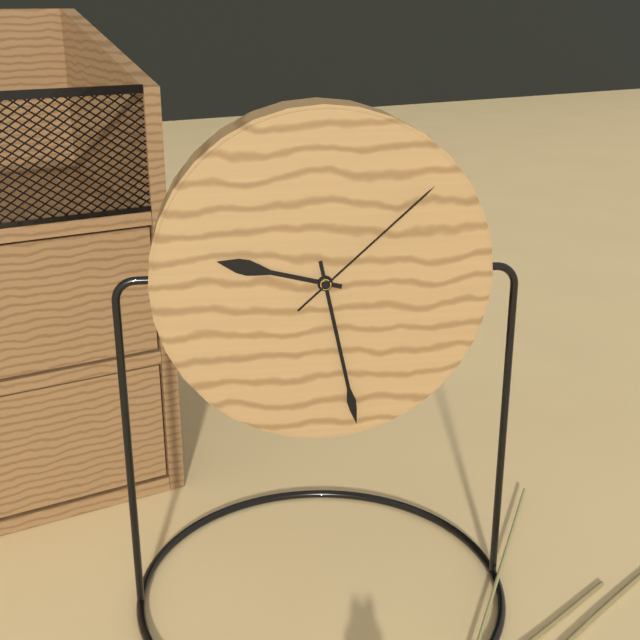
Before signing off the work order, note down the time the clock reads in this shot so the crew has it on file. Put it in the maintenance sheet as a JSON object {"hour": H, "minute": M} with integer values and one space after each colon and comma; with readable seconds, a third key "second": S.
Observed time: {"hour": 9, "minute": 28, "second": 8}
